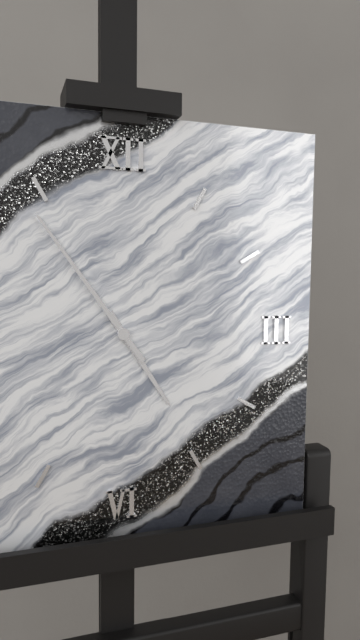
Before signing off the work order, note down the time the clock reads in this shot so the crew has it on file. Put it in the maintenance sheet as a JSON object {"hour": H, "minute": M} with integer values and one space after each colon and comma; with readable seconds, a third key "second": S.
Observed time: {"hour": 4, "minute": 54}
